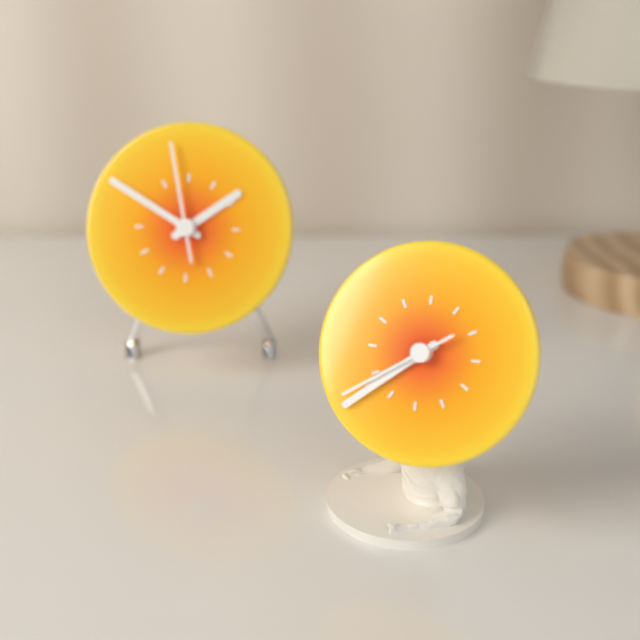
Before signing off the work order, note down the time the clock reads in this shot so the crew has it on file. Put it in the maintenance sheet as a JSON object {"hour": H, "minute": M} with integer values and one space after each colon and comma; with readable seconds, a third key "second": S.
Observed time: {"hour": 7, "minute": 38, "second": 39}
